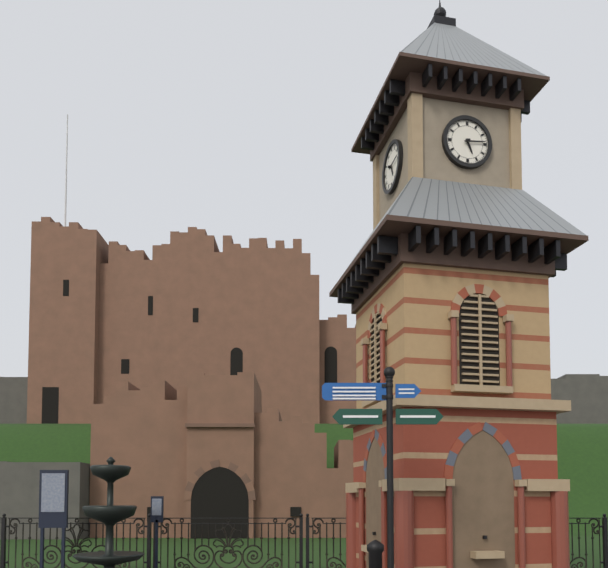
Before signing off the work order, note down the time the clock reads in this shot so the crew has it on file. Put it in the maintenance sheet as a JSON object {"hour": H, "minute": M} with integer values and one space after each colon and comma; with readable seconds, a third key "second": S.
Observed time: {"hour": 5, "minute": 14}
